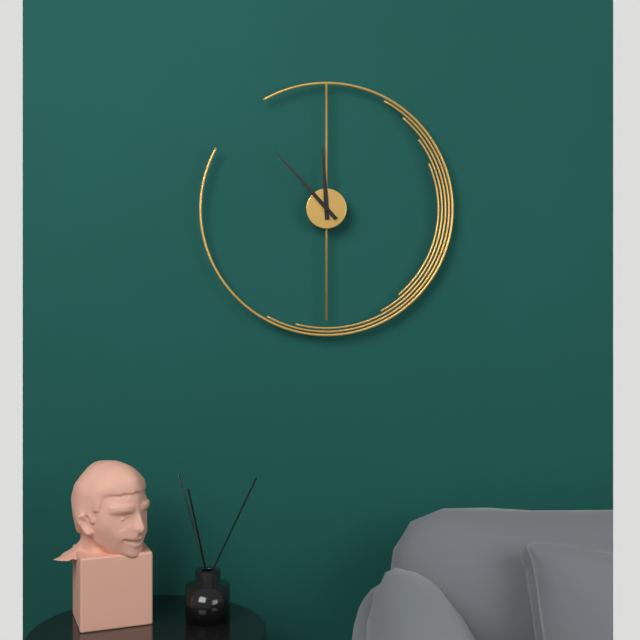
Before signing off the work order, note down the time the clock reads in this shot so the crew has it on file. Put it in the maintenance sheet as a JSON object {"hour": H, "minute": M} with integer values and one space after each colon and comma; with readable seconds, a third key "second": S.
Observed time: {"hour": 11, "minute": 53}
